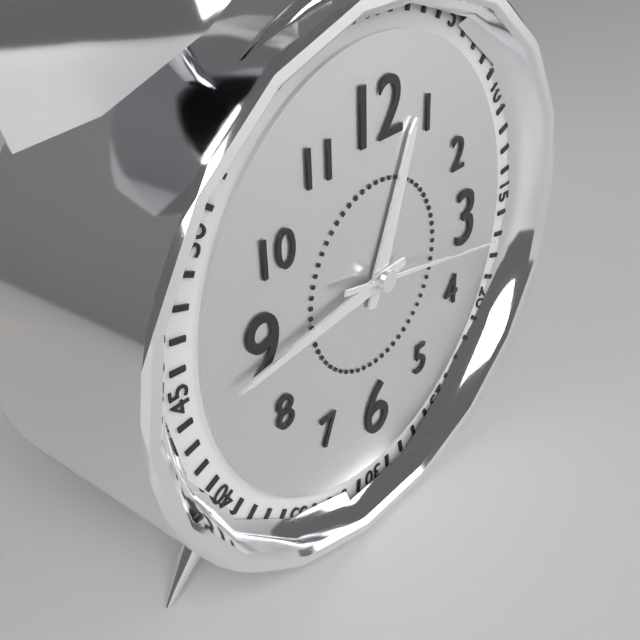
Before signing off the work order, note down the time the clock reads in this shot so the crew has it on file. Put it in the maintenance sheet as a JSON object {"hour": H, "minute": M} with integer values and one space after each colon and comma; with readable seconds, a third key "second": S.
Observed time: {"hour": 12, "minute": 44, "second": 17}
